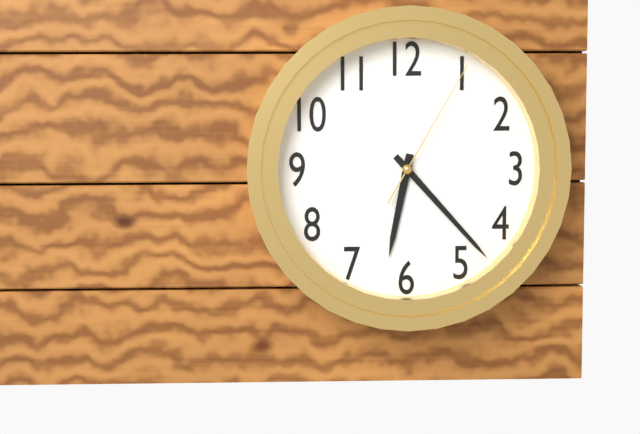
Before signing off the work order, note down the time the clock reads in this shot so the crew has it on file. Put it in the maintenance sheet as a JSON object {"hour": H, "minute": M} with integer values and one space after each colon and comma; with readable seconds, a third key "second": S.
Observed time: {"hour": 6, "minute": 23, "second": 5}
